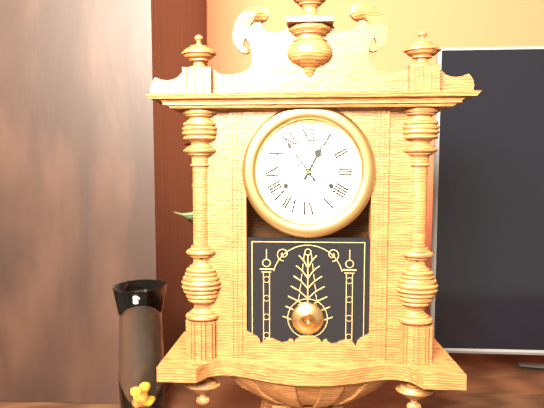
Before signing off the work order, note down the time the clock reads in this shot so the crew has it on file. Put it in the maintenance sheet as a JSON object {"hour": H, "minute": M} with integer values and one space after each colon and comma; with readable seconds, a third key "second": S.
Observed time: {"hour": 12, "minute": 54}
